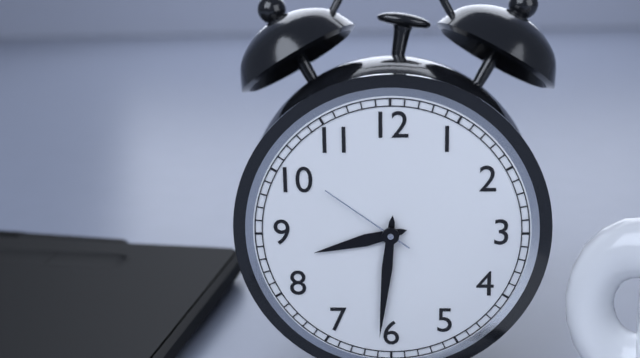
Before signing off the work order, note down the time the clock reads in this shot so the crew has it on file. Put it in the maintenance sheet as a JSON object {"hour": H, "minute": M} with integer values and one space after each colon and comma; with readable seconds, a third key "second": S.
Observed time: {"hour": 8, "minute": 31, "second": 51}
